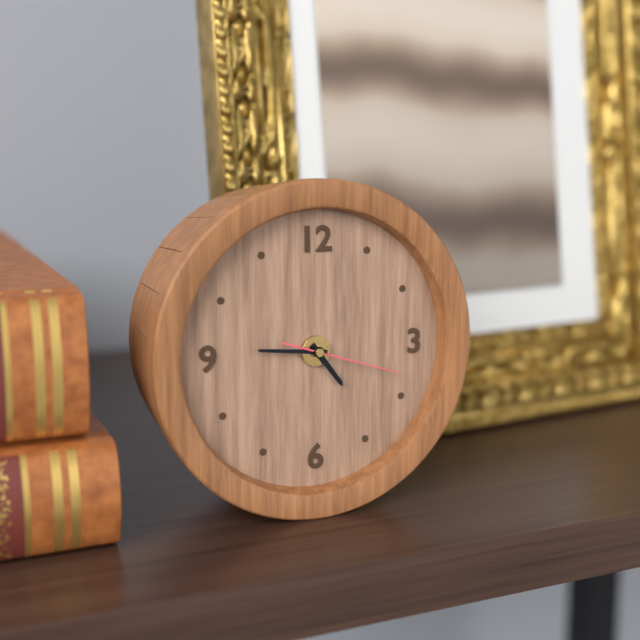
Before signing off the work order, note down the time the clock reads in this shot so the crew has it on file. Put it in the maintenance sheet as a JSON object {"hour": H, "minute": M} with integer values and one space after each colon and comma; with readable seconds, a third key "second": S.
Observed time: {"hour": 4, "minute": 46, "second": 18}
